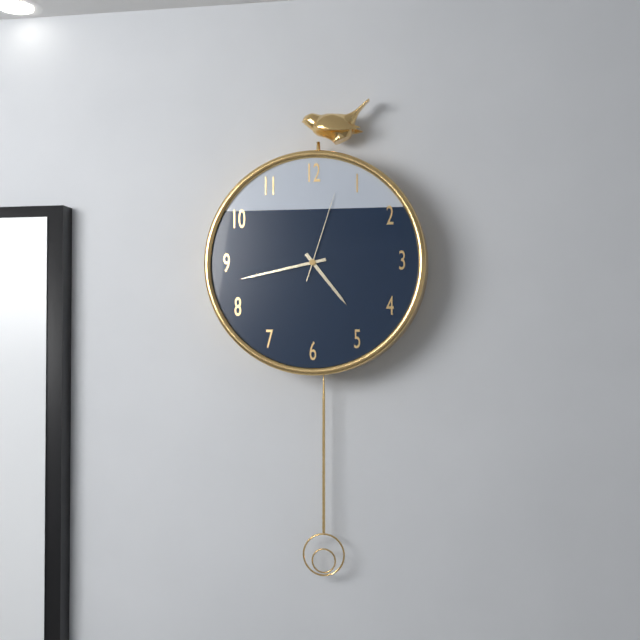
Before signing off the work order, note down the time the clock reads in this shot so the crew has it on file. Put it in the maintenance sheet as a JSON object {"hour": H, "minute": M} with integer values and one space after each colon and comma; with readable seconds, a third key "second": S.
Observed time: {"hour": 4, "minute": 43, "second": 3}
